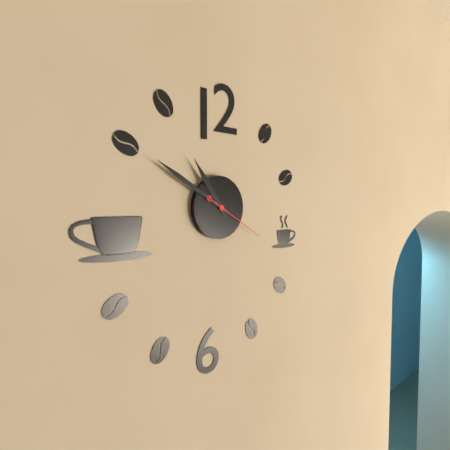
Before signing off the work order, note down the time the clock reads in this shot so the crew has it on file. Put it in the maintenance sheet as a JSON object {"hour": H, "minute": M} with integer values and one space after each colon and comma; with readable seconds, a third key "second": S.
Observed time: {"hour": 10, "minute": 50, "second": 20}
